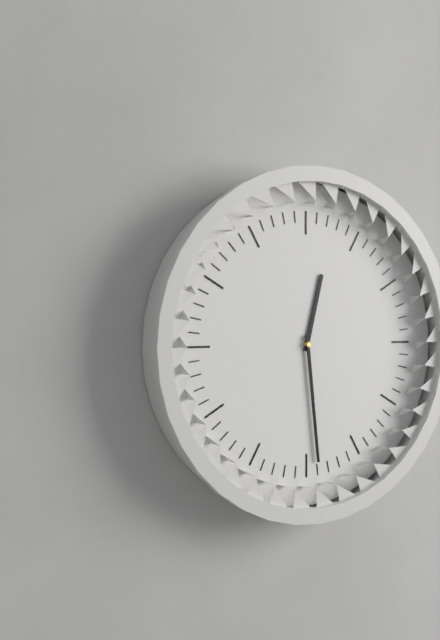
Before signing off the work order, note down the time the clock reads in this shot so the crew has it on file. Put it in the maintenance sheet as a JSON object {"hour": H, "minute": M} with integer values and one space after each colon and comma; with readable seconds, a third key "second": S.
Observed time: {"hour": 12, "minute": 29}
